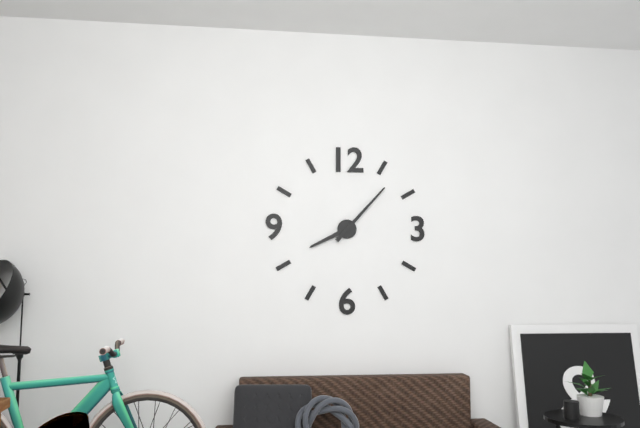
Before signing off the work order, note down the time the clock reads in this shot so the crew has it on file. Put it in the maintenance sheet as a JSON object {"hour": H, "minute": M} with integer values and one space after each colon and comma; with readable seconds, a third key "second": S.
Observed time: {"hour": 8, "minute": 7}
